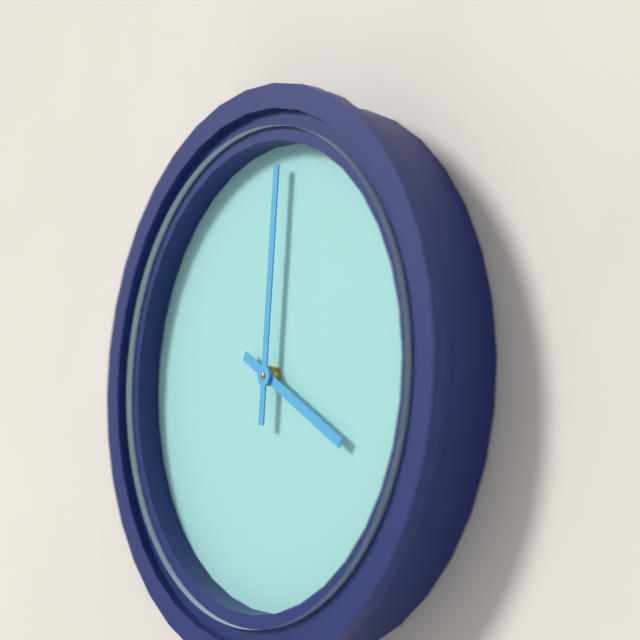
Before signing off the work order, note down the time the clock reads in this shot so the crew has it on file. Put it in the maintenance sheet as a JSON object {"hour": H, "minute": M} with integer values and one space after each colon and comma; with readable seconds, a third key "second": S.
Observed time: {"hour": 4, "minute": 1}
